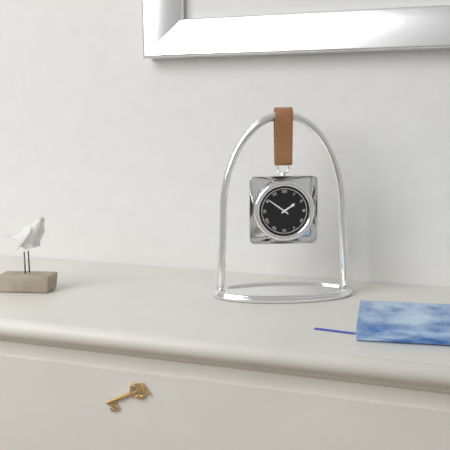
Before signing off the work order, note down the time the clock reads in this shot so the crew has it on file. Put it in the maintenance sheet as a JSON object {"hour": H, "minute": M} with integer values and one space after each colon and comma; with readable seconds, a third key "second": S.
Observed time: {"hour": 1, "minute": 51}
